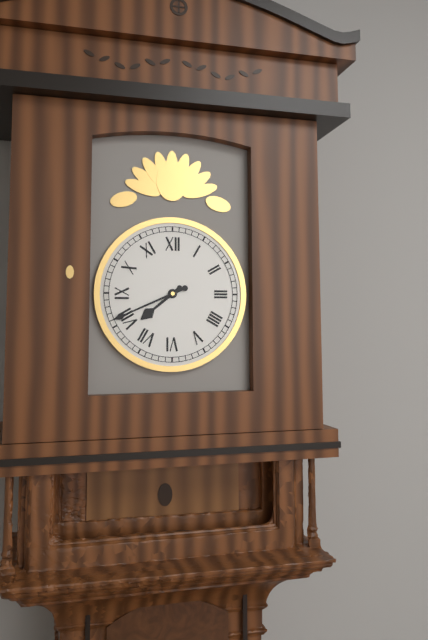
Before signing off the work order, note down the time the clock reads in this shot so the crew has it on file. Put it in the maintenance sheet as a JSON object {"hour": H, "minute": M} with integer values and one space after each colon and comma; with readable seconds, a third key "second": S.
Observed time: {"hour": 7, "minute": 41}
